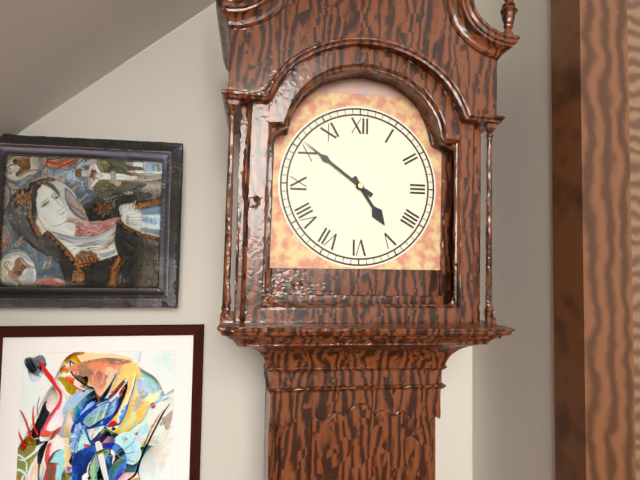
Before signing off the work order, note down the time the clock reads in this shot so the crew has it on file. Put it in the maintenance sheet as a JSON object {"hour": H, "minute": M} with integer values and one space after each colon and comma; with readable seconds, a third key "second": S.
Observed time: {"hour": 4, "minute": 51}
